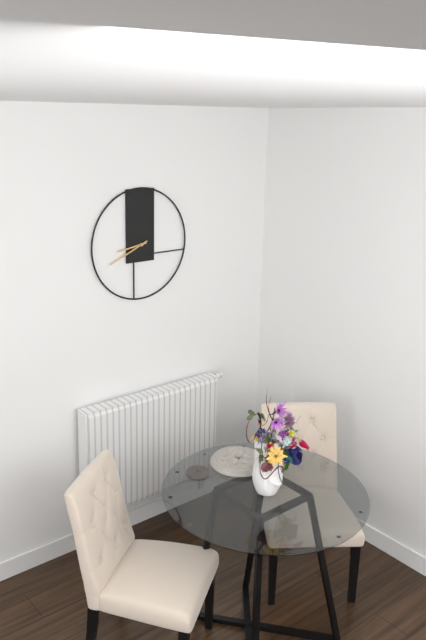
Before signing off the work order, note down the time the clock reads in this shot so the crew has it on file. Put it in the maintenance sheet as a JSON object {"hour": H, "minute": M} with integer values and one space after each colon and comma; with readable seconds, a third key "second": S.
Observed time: {"hour": 8, "minute": 41}
